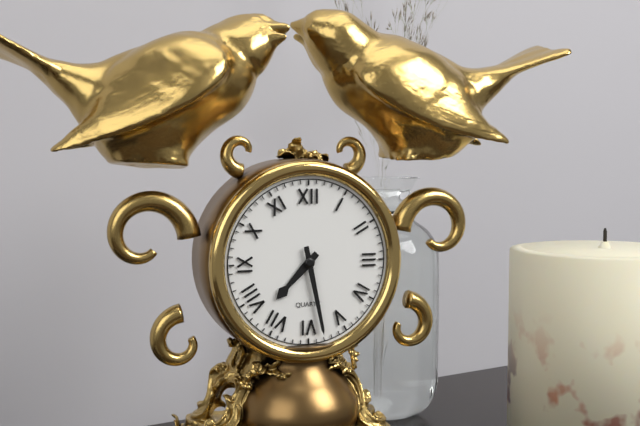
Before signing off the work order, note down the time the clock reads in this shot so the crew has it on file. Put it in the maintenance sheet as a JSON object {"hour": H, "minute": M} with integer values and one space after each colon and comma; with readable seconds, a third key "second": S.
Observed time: {"hour": 7, "minute": 28}
